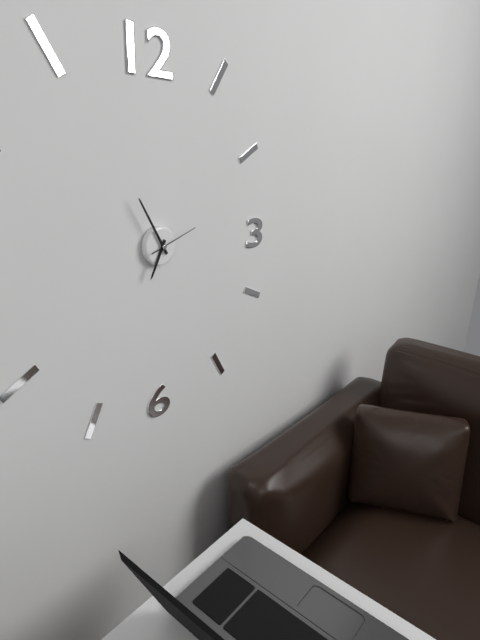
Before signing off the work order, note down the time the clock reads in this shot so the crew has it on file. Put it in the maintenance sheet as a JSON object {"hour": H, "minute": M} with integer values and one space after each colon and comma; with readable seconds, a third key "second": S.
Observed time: {"hour": 6, "minute": 55}
